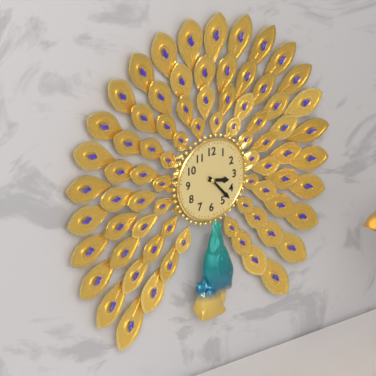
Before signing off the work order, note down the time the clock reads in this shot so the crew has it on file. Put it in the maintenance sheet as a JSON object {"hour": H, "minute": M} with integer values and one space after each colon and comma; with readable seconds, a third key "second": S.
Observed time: {"hour": 3, "minute": 23}
